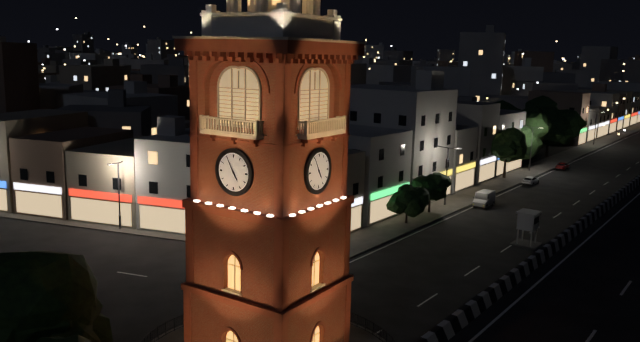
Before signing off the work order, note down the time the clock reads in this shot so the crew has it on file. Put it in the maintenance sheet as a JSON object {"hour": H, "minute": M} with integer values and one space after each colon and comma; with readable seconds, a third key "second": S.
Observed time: {"hour": 4, "minute": 55}
